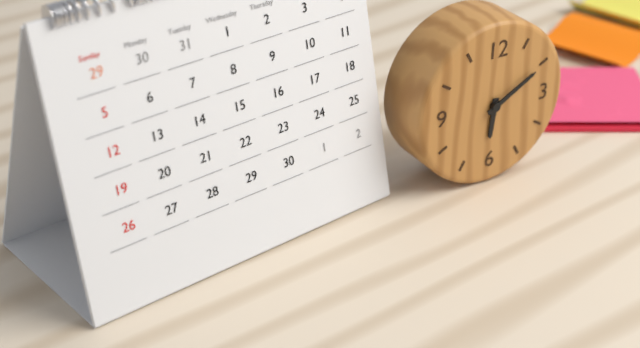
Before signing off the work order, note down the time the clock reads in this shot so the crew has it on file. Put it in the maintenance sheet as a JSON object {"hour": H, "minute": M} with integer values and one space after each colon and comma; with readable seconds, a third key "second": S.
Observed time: {"hour": 6, "minute": 10}
